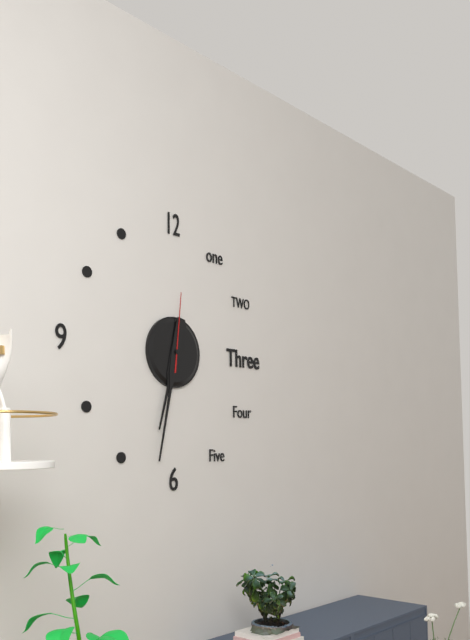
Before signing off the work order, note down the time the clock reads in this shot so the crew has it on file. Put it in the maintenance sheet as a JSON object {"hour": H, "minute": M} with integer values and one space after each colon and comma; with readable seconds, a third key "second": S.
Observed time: {"hour": 6, "minute": 32, "second": 1}
